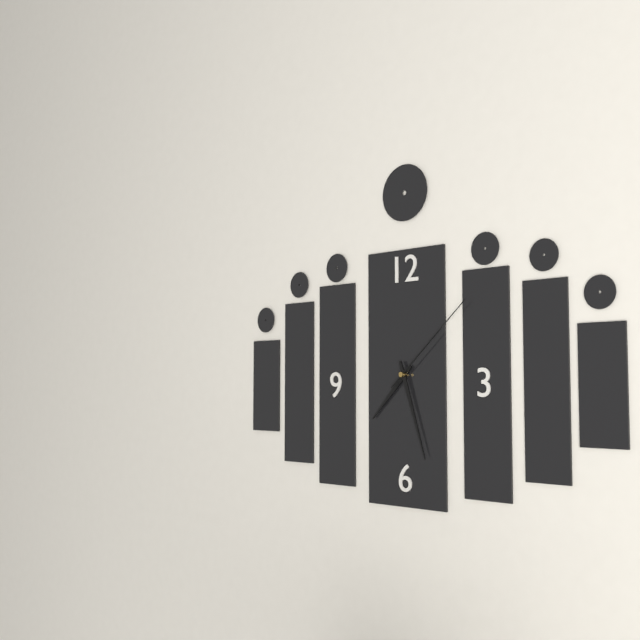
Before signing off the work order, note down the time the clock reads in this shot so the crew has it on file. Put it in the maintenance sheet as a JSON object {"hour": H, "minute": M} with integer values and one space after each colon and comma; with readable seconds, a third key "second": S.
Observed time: {"hour": 7, "minute": 27, "second": 8}
